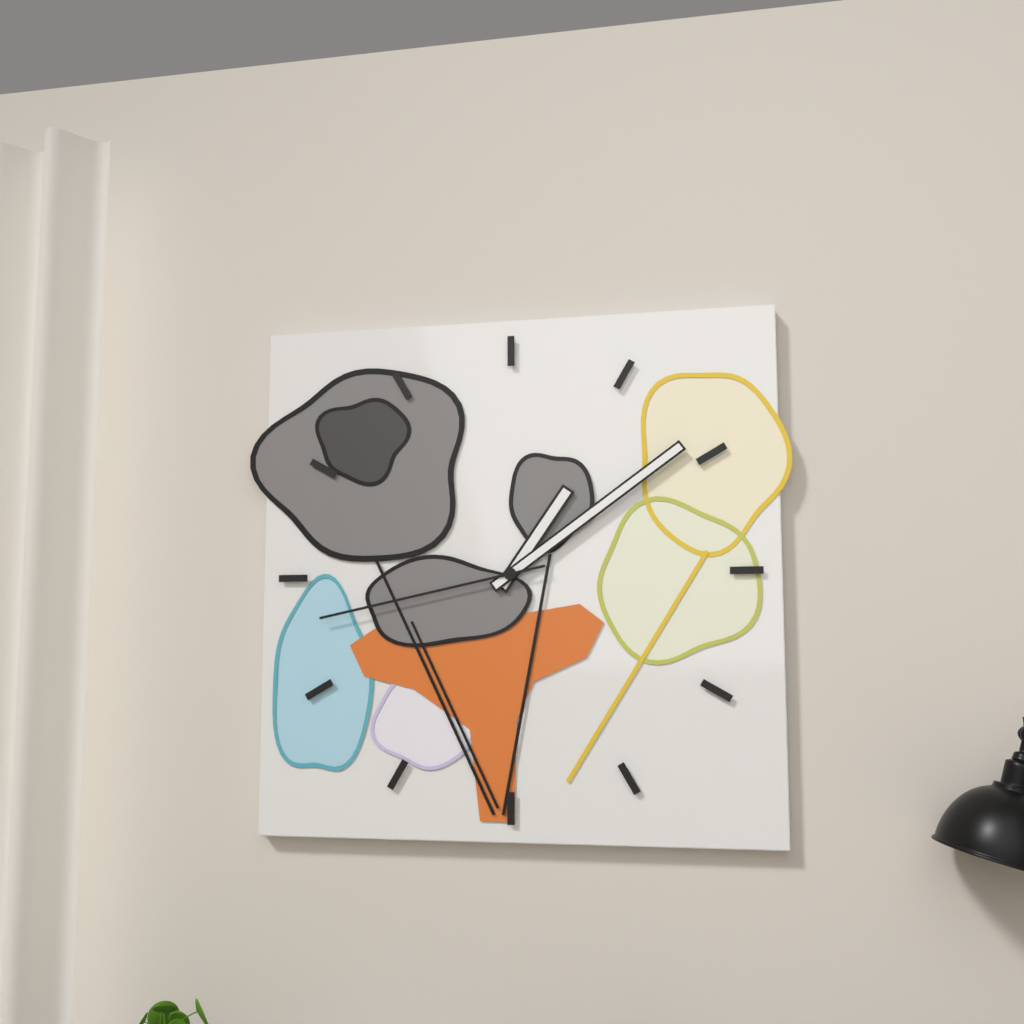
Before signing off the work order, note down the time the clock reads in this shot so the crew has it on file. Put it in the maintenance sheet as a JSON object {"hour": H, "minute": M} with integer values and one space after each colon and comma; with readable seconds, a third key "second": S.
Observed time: {"hour": 1, "minute": 9, "second": 43}
